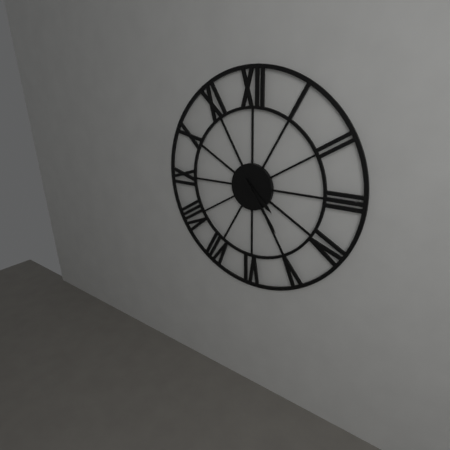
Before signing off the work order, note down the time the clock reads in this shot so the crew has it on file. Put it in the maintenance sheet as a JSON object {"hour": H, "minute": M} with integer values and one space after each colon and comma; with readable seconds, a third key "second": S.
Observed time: {"hour": 4, "minute": 24}
